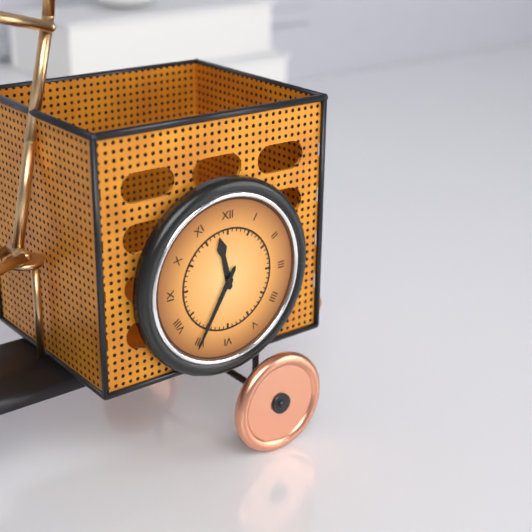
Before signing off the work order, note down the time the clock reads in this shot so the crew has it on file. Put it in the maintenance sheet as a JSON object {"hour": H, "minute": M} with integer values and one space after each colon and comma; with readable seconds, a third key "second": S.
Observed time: {"hour": 11, "minute": 35}
